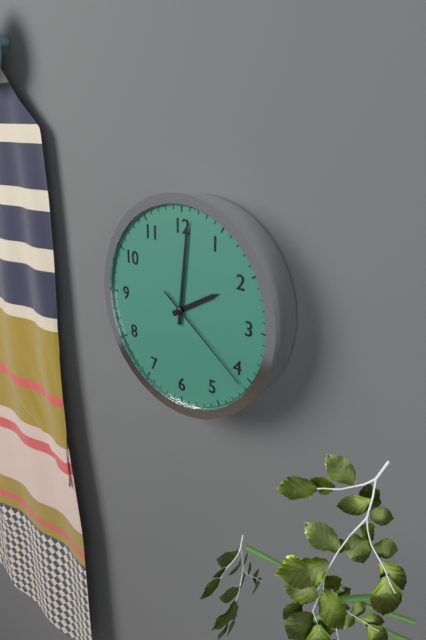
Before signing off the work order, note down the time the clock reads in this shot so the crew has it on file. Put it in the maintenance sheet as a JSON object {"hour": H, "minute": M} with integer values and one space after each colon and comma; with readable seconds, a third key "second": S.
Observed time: {"hour": 2, "minute": 1, "second": 21}
